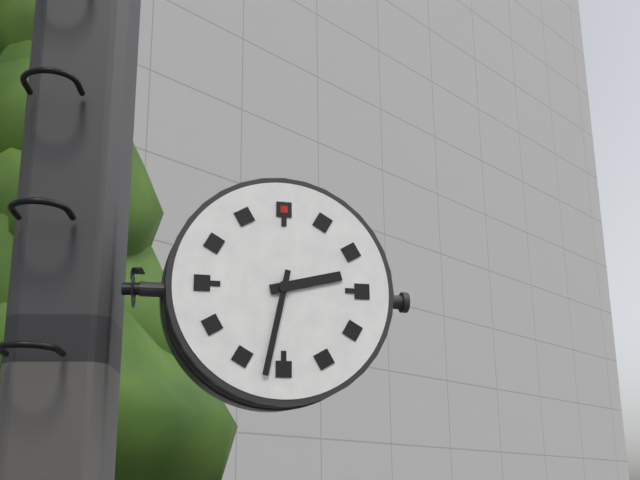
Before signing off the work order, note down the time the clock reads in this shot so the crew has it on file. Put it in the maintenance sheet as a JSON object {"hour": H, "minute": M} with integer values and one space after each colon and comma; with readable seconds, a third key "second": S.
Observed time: {"hour": 2, "minute": 32}
